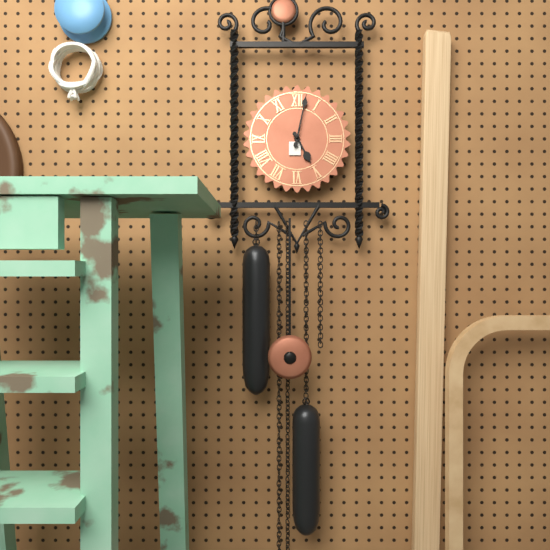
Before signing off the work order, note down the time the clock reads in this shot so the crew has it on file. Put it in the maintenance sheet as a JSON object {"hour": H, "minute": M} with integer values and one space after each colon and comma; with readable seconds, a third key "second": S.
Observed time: {"hour": 5, "minute": 2}
